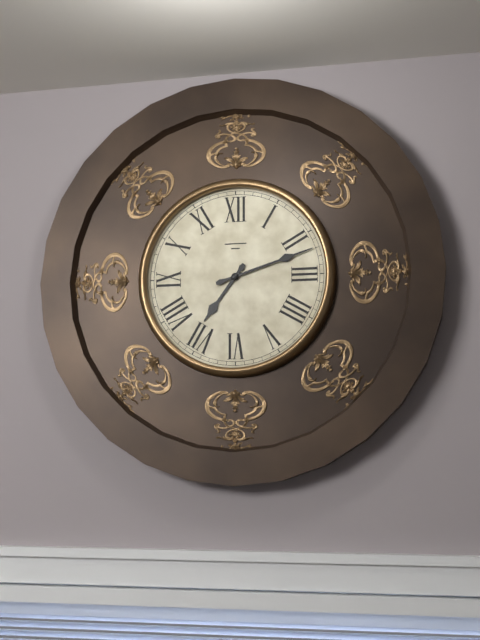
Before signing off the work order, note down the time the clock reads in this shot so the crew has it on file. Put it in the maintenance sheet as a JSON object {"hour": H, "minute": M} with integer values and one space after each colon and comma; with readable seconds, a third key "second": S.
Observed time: {"hour": 7, "minute": 12}
